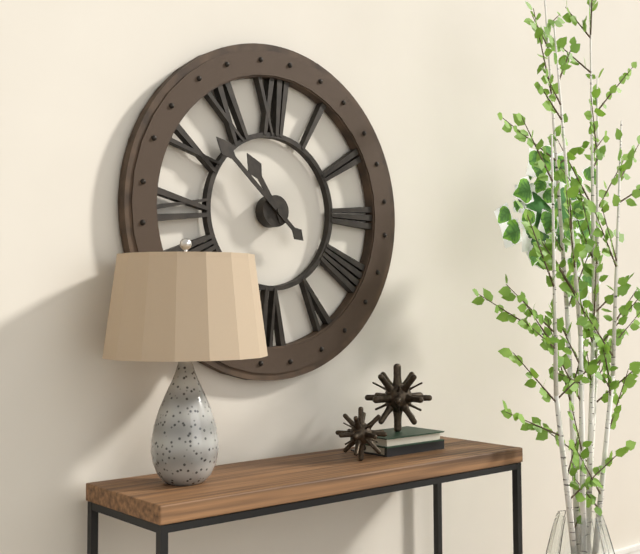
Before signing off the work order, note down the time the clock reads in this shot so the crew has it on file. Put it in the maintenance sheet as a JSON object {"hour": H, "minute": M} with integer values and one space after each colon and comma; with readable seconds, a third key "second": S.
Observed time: {"hour": 10, "minute": 52}
